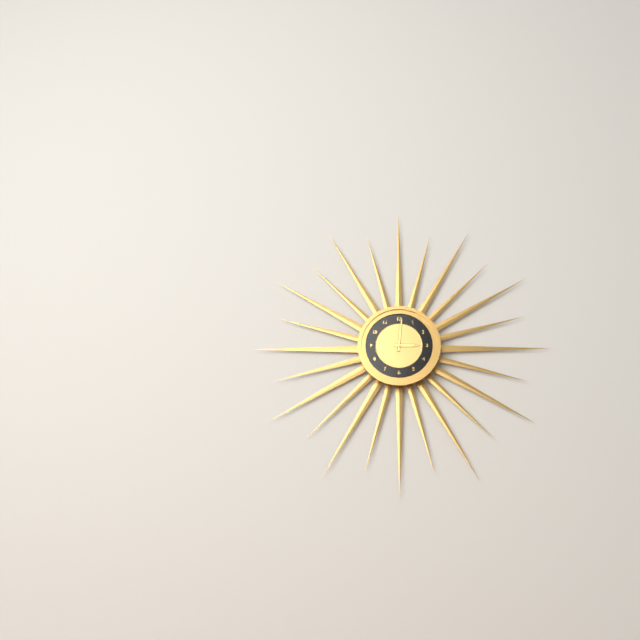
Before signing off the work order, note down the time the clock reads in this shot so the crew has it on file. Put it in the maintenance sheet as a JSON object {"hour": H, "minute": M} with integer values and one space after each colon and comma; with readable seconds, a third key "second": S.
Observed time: {"hour": 3, "minute": 1}
